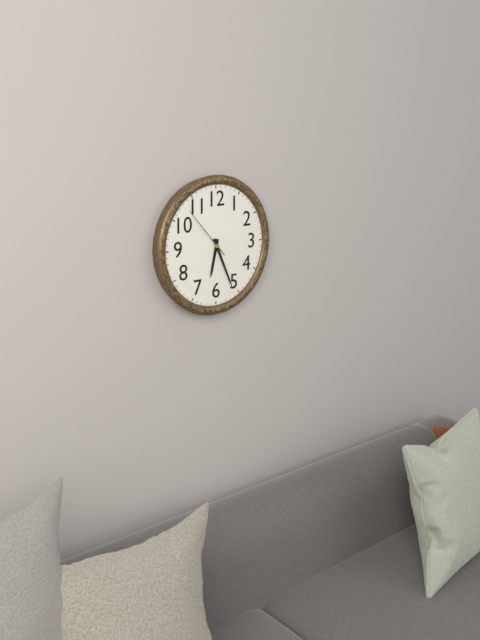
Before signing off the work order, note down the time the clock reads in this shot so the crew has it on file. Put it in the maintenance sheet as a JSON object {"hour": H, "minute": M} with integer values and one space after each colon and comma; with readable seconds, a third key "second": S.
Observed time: {"hour": 6, "minute": 26, "second": 53}
